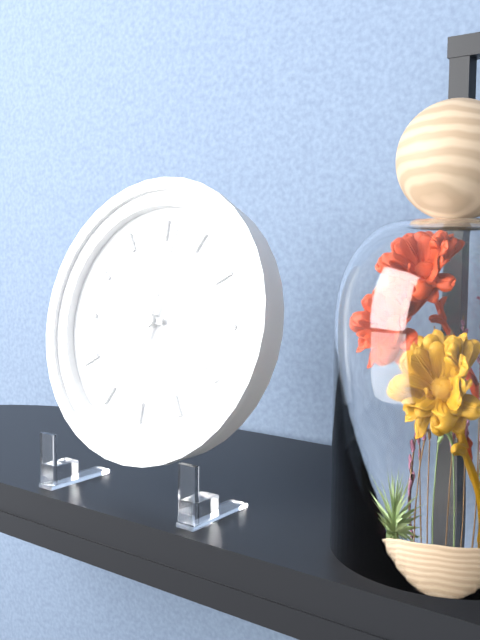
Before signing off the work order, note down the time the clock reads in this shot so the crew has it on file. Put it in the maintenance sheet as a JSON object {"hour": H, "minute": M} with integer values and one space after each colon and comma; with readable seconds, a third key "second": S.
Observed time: {"hour": 9, "minute": 2}
